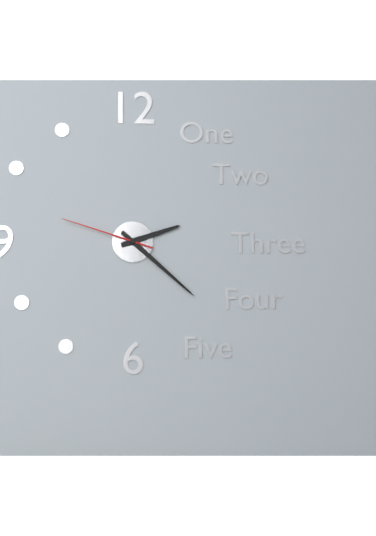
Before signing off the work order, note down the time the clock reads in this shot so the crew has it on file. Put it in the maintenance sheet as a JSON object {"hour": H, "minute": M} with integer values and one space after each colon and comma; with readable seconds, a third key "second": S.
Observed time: {"hour": 2, "minute": 22, "second": 48}
